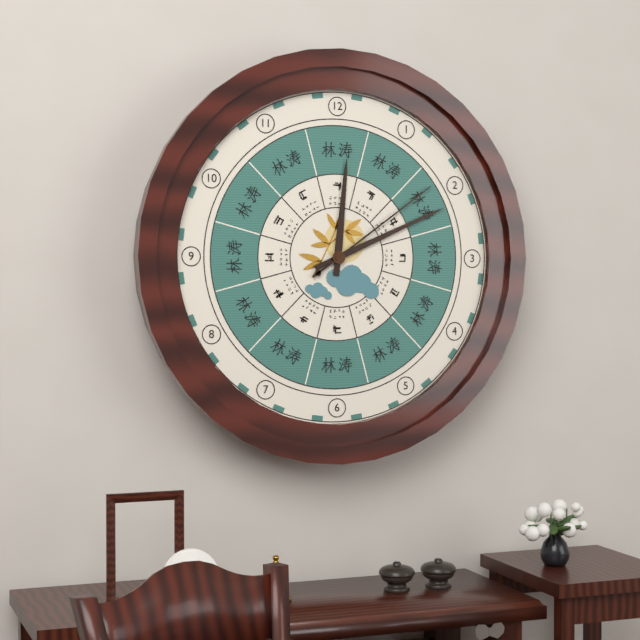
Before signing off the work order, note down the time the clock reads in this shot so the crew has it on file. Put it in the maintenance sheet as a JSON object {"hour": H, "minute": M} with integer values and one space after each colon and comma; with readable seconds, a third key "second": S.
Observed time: {"hour": 12, "minute": 11, "second": 9}
